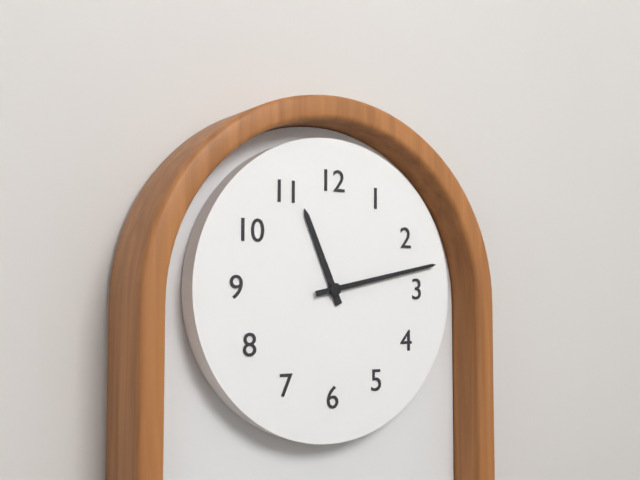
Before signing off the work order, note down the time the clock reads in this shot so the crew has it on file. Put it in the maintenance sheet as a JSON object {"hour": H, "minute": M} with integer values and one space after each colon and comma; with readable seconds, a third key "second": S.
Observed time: {"hour": 11, "minute": 13}
